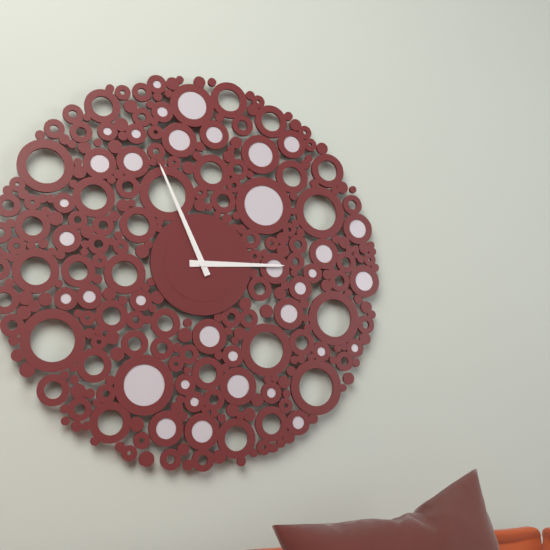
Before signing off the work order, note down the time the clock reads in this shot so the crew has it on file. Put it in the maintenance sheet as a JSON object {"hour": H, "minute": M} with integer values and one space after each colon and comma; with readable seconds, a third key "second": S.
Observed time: {"hour": 2, "minute": 56}
